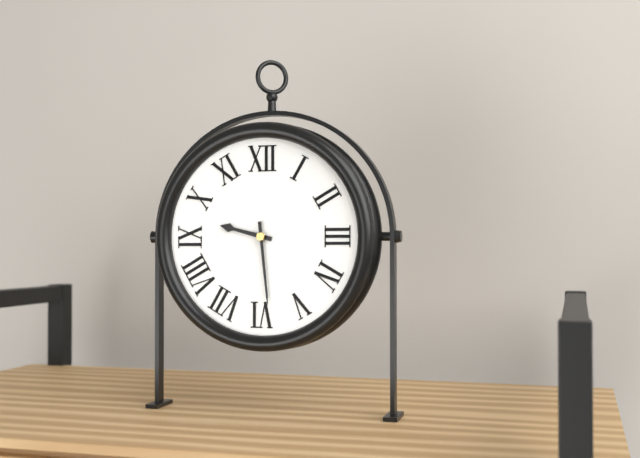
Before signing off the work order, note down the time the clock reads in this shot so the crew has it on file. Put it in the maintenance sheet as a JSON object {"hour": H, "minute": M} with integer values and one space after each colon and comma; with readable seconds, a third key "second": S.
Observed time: {"hour": 9, "minute": 29}
